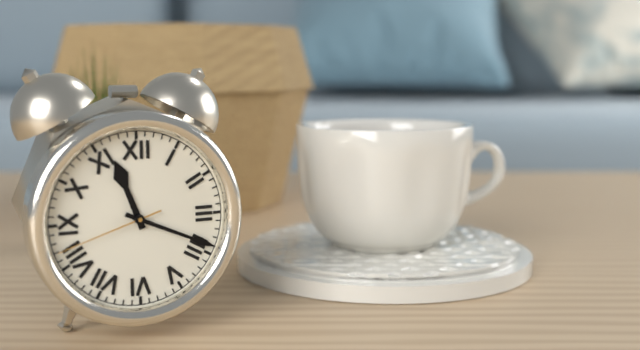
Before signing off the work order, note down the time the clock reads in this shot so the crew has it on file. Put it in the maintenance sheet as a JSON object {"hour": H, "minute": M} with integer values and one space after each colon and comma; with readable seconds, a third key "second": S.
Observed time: {"hour": 11, "minute": 19, "second": 42}
